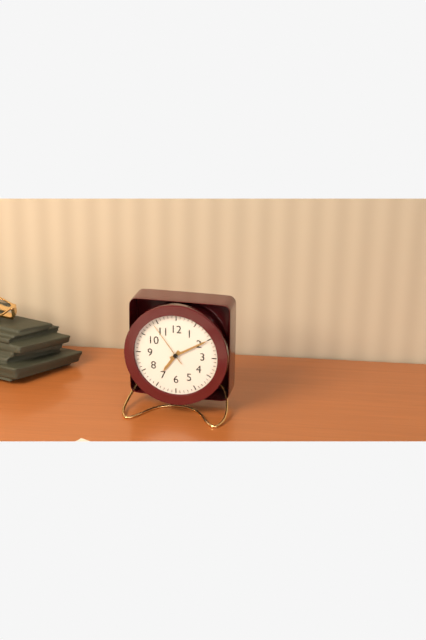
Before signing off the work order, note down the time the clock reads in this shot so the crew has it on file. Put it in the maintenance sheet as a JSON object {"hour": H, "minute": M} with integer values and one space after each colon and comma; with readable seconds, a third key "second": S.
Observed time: {"hour": 7, "minute": 10}
